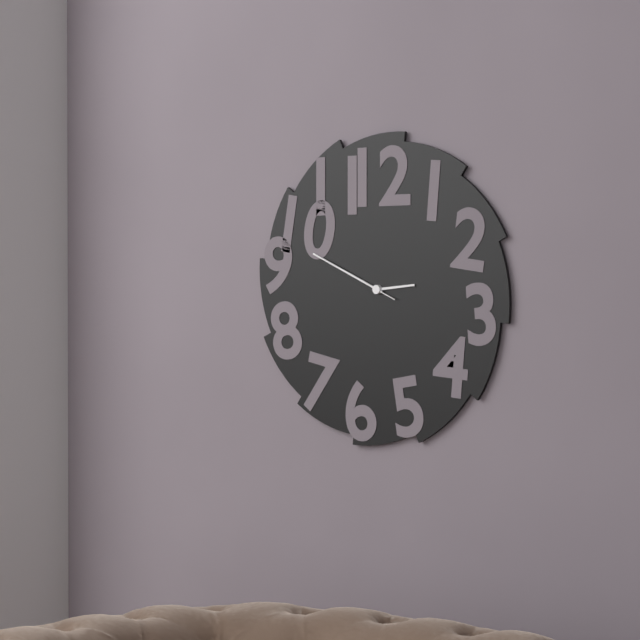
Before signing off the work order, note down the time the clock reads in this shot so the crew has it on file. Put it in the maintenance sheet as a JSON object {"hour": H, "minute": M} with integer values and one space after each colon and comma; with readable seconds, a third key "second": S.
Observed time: {"hour": 2, "minute": 49, "second": 49}
